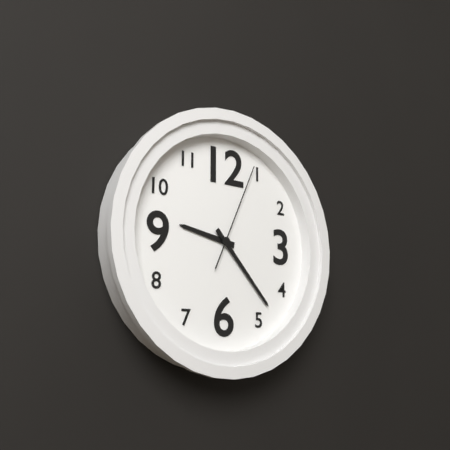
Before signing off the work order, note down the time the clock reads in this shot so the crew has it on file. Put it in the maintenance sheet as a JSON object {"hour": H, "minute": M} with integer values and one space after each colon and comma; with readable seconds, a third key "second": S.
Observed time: {"hour": 9, "minute": 23, "second": 4}
